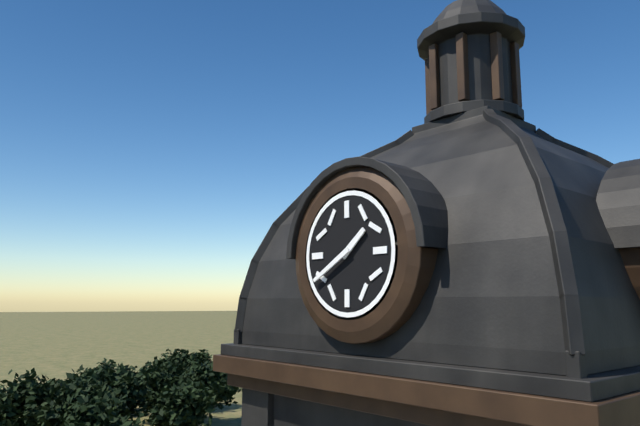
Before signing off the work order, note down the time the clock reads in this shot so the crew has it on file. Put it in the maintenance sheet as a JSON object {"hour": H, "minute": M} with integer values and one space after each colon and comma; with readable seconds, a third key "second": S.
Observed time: {"hour": 1, "minute": 40}
